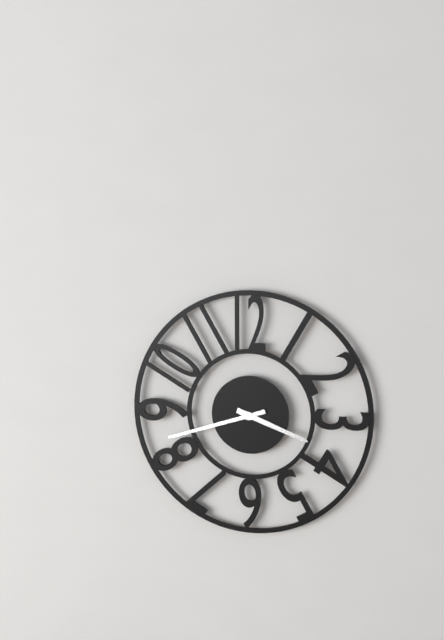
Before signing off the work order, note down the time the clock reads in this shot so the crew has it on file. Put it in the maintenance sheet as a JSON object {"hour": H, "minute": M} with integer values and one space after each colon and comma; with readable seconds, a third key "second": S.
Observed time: {"hour": 3, "minute": 42}
